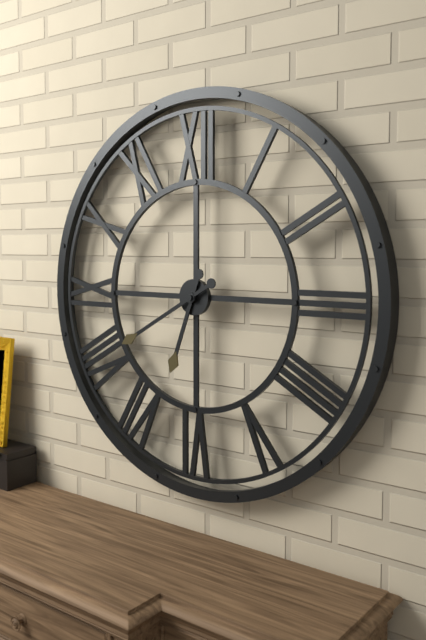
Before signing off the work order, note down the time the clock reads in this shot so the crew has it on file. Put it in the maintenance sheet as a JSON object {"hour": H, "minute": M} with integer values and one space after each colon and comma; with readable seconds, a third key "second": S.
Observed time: {"hour": 6, "minute": 40}
